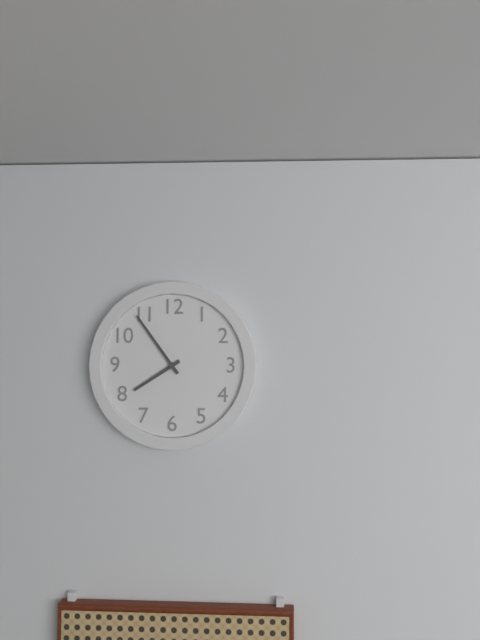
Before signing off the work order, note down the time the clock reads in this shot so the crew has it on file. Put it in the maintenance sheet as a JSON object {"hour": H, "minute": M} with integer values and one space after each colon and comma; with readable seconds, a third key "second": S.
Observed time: {"hour": 7, "minute": 54}
